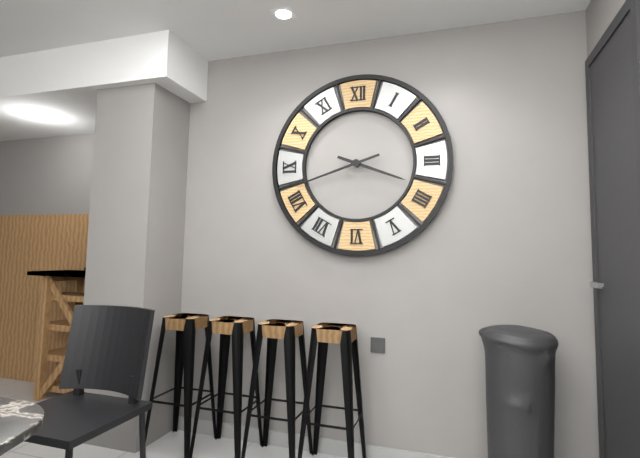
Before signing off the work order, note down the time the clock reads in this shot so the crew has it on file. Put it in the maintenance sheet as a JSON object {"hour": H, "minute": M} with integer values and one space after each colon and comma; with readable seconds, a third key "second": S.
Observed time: {"hour": 3, "minute": 42}
